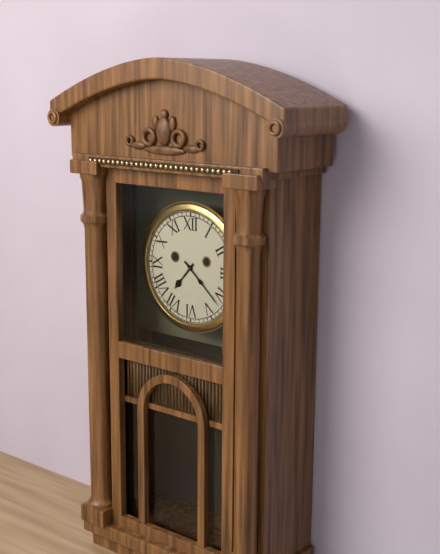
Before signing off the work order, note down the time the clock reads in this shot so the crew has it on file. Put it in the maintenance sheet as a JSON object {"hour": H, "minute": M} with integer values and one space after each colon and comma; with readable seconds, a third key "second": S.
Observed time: {"hour": 7, "minute": 22}
